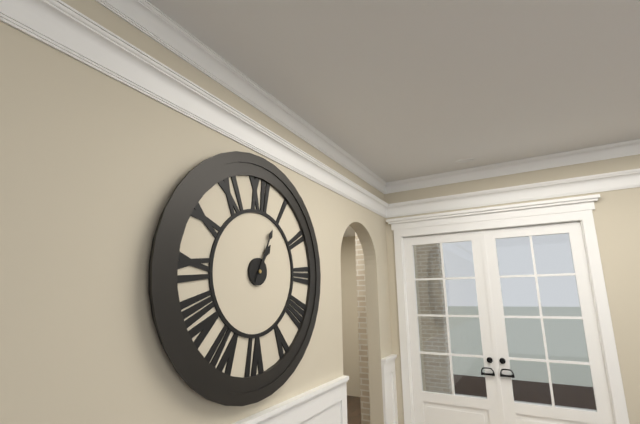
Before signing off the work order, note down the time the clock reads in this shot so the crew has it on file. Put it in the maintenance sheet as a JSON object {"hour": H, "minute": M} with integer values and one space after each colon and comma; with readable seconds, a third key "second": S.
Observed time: {"hour": 1, "minute": 4}
